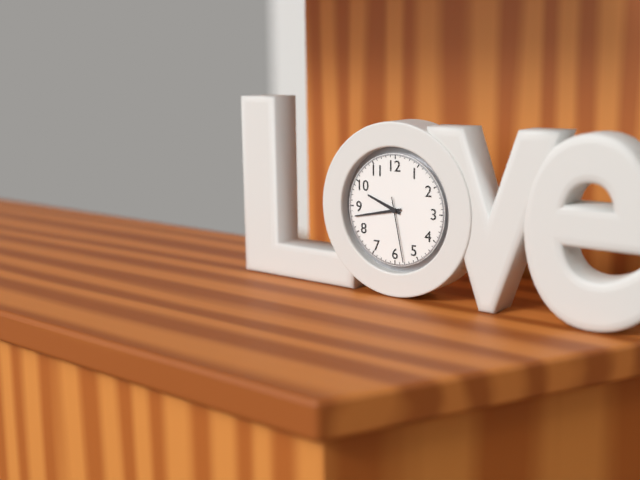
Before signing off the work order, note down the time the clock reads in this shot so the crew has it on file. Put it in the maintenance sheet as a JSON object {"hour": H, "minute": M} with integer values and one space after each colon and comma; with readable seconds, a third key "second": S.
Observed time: {"hour": 9, "minute": 43, "second": 28}
